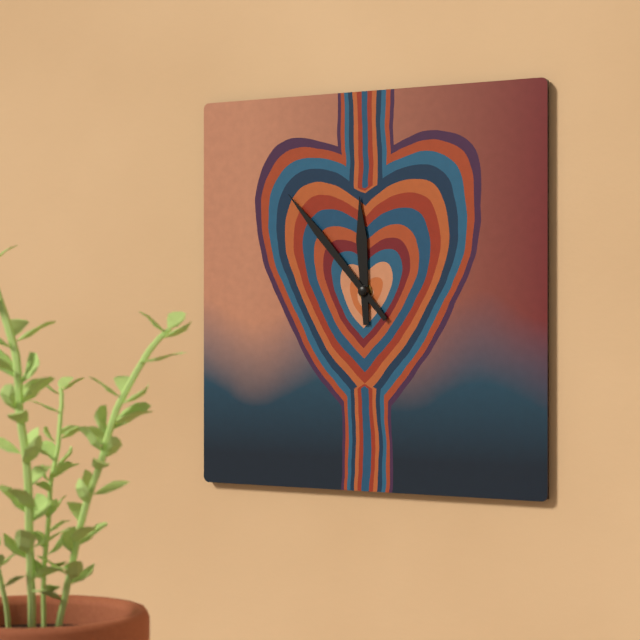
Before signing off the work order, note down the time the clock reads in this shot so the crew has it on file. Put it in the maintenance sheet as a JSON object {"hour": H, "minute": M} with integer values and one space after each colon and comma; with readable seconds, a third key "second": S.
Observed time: {"hour": 11, "minute": 53}
